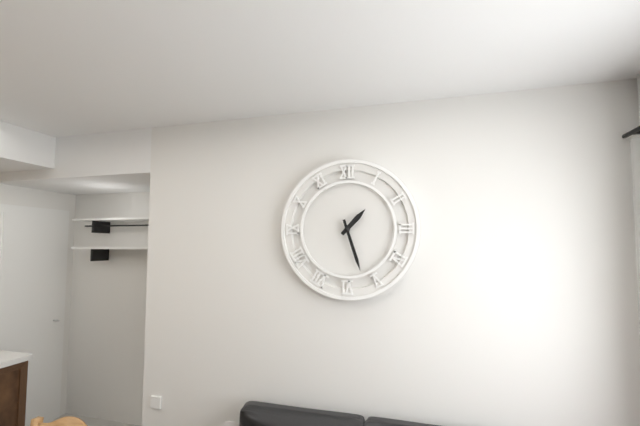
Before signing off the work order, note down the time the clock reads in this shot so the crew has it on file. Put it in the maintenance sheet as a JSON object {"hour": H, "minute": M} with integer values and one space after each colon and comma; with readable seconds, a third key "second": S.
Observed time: {"hour": 1, "minute": 27}
